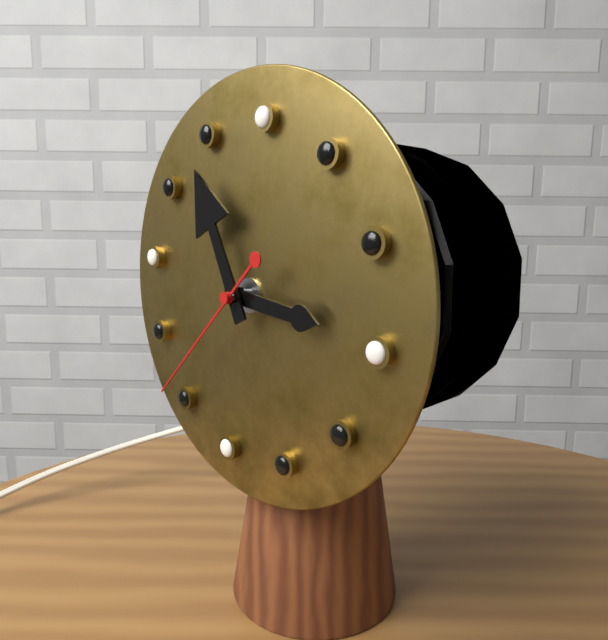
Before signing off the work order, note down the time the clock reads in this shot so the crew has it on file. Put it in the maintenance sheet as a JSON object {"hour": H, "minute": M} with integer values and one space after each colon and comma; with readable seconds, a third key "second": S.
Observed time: {"hour": 2, "minute": 54, "second": 36}
